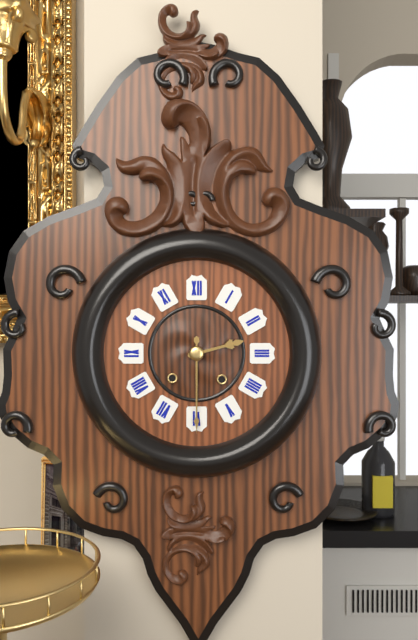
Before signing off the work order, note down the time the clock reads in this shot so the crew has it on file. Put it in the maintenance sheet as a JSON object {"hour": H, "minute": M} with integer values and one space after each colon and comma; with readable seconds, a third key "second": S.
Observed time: {"hour": 2, "minute": 30}
